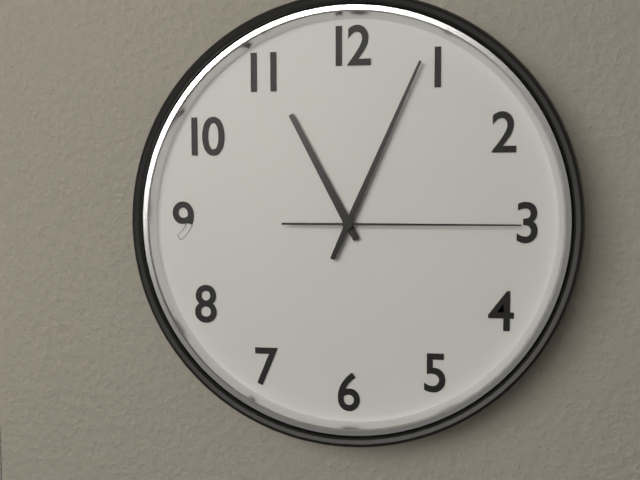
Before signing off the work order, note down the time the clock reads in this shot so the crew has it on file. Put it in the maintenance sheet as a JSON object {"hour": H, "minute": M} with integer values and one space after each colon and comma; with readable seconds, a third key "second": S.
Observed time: {"hour": 11, "minute": 4, "second": 15}
